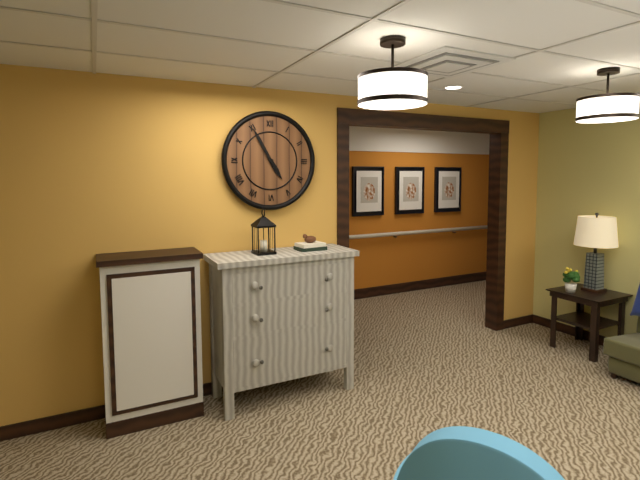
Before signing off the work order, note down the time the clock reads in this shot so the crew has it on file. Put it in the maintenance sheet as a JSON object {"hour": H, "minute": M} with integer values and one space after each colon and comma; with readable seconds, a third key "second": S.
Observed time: {"hour": 4, "minute": 55}
